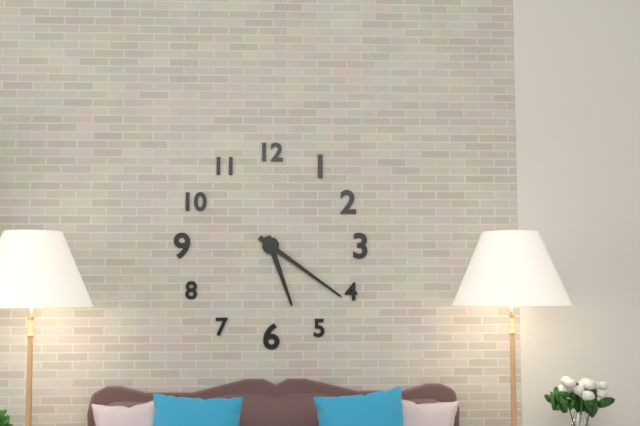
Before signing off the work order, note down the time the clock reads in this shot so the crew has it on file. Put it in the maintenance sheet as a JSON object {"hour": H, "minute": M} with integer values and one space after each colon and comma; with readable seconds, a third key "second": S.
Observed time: {"hour": 5, "minute": 21}
